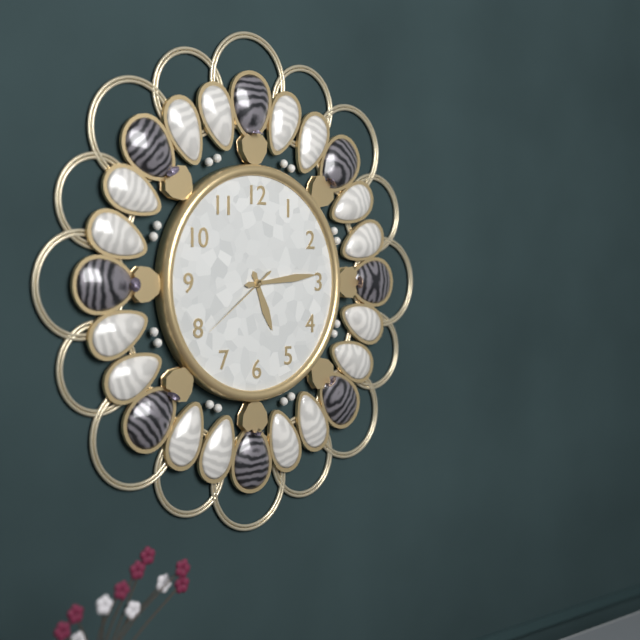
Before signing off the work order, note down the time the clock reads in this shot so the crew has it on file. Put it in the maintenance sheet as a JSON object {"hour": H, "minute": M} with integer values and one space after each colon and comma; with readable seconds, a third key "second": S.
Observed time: {"hour": 5, "minute": 14, "second": 39}
